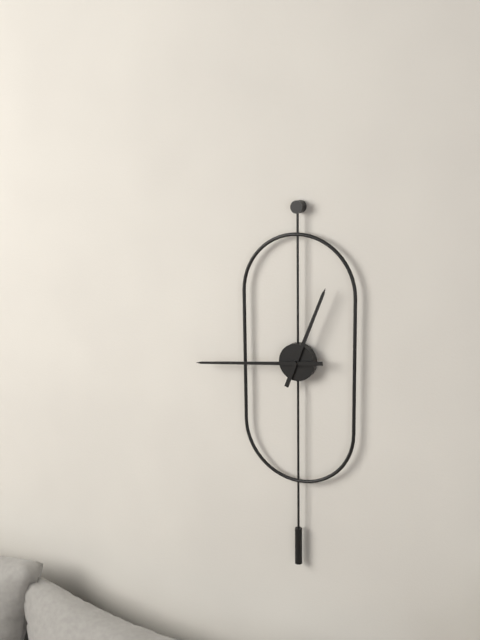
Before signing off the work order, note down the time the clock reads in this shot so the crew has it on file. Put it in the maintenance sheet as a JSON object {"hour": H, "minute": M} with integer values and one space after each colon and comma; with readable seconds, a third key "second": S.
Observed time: {"hour": 12, "minute": 44}
